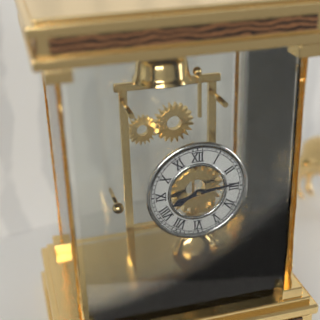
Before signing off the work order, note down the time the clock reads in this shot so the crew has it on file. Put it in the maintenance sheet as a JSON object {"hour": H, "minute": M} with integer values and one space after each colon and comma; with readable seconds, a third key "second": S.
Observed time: {"hour": 8, "minute": 14}
